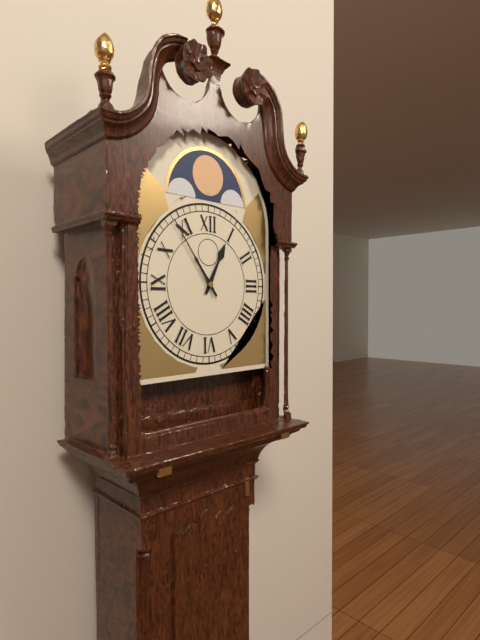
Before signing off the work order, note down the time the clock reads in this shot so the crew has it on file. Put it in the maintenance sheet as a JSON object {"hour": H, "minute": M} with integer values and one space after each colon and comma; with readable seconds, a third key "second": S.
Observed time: {"hour": 12, "minute": 54}
